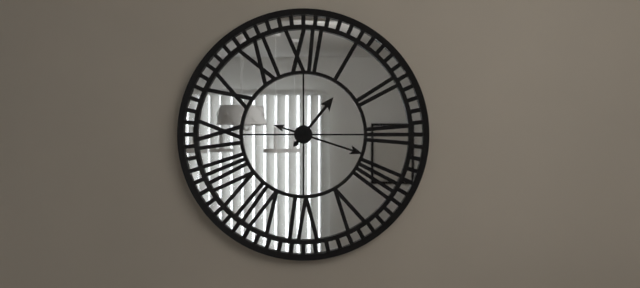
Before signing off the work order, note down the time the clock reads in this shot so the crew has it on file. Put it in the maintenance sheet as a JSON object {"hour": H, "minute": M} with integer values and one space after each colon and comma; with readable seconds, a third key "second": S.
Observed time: {"hour": 1, "minute": 18}
